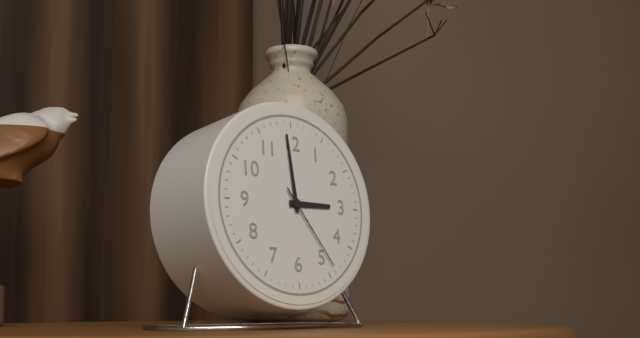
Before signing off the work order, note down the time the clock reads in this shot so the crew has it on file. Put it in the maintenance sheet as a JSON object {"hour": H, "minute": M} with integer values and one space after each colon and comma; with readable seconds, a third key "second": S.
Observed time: {"hour": 2, "minute": 59, "second": 24}
